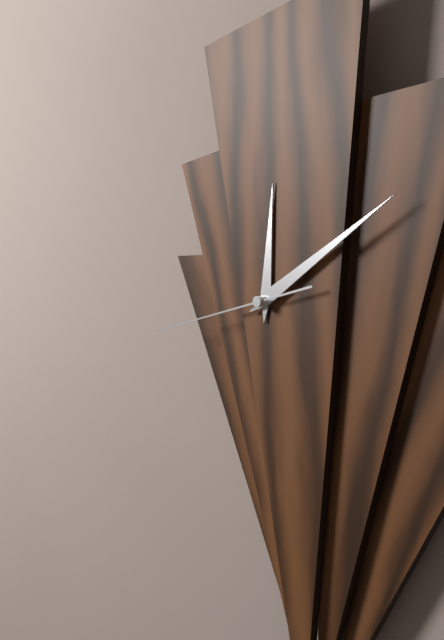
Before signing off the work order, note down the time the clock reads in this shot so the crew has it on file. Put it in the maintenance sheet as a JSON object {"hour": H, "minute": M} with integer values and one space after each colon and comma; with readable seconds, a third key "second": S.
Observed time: {"hour": 12, "minute": 10, "second": 43}
